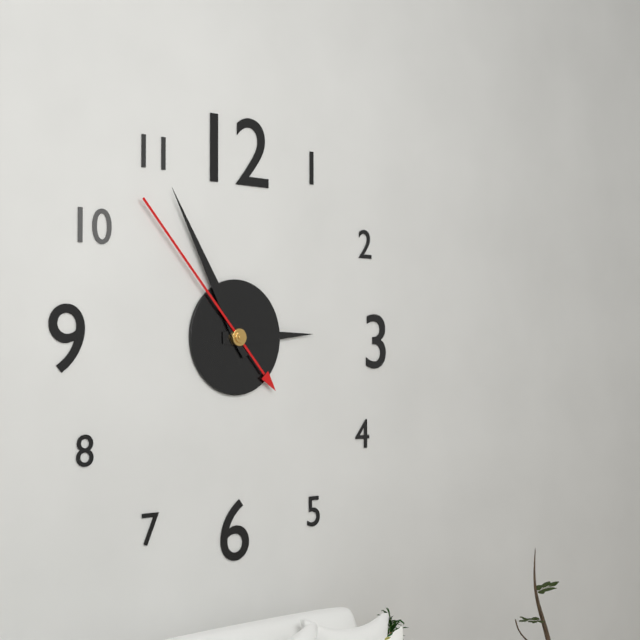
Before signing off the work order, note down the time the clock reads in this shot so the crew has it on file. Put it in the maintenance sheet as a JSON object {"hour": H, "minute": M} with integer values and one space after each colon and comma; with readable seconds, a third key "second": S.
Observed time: {"hour": 2, "minute": 55, "second": 53}
